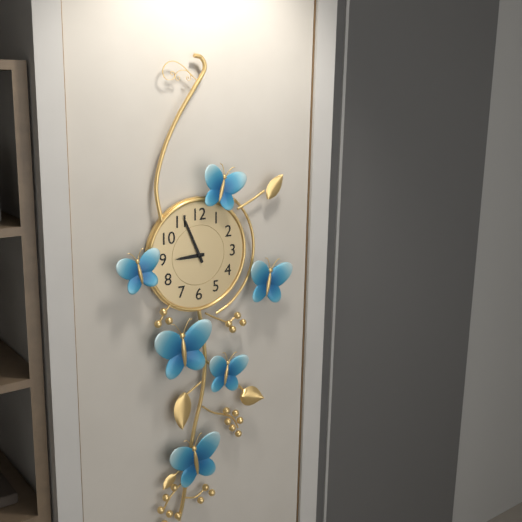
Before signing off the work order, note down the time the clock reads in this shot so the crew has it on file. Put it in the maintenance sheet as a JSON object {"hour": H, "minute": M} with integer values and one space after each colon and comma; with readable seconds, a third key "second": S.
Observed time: {"hour": 8, "minute": 56}
